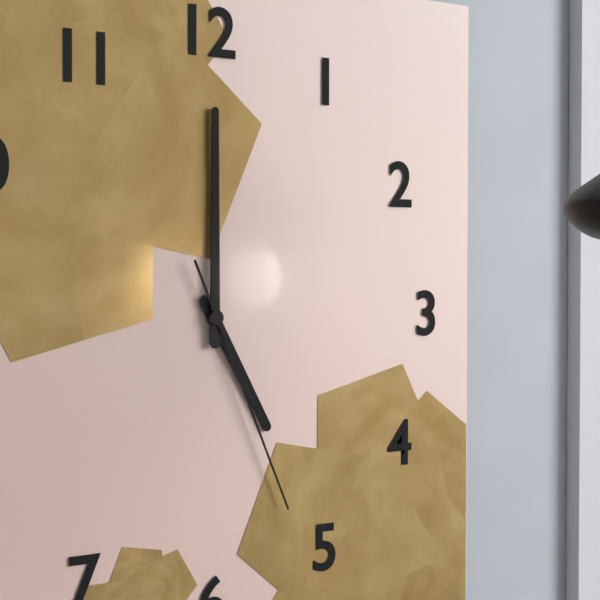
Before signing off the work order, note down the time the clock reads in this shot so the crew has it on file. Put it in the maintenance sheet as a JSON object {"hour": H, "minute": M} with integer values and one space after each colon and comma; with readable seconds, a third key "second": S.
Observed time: {"hour": 5, "minute": 0, "second": 26}
